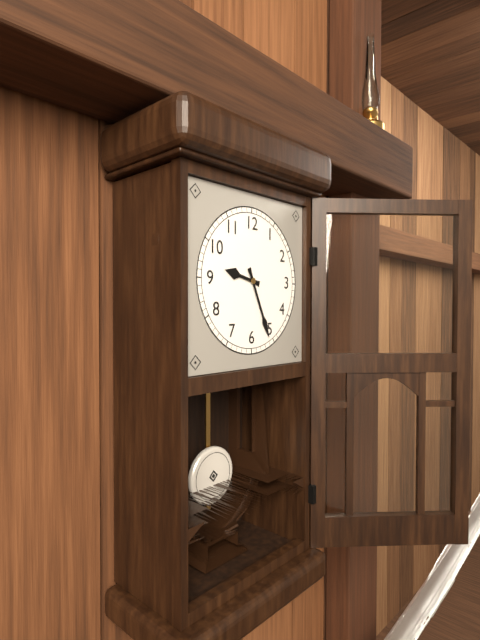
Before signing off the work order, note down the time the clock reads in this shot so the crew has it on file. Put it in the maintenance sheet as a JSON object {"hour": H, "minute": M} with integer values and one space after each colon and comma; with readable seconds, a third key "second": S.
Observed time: {"hour": 9, "minute": 26}
